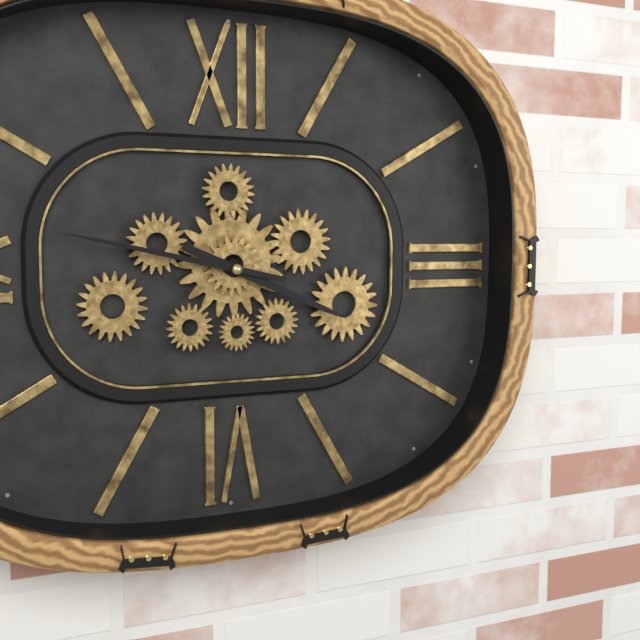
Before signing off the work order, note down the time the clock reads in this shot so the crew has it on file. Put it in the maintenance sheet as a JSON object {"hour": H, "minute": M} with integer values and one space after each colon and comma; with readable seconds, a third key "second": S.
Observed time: {"hour": 3, "minute": 47}
